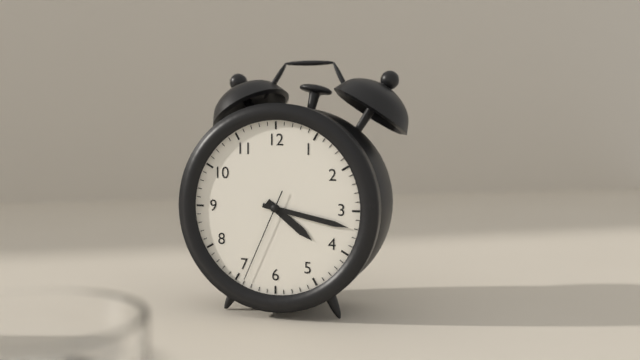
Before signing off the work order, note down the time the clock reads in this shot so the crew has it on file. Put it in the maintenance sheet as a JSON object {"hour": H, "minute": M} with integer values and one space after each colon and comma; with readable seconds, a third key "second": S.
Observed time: {"hour": 4, "minute": 17, "second": 34}
